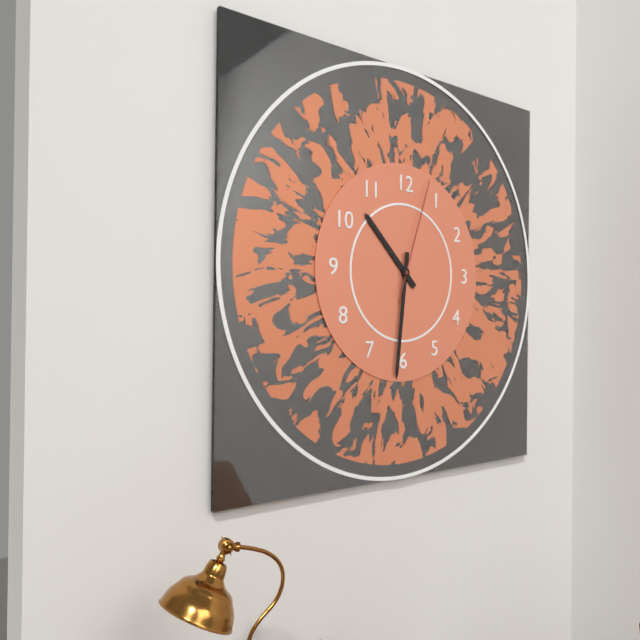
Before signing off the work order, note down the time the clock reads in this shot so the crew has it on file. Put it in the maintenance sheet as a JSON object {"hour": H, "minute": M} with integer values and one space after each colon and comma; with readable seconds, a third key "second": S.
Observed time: {"hour": 10, "minute": 31, "second": 3}
